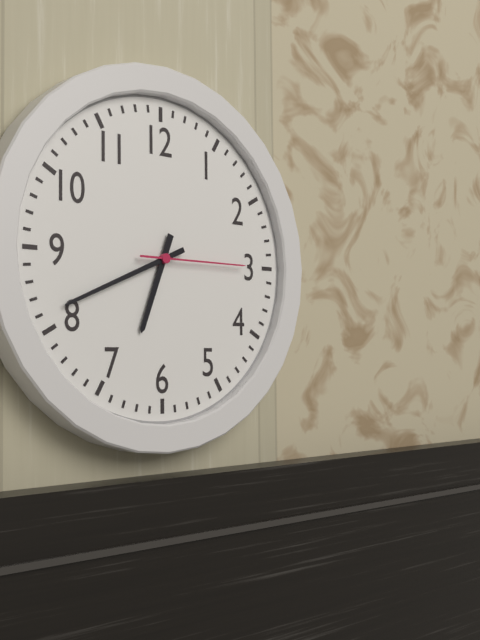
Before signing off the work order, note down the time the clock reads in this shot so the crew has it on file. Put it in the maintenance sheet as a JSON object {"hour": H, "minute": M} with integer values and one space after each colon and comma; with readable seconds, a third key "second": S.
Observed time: {"hour": 6, "minute": 41, "second": 15}
